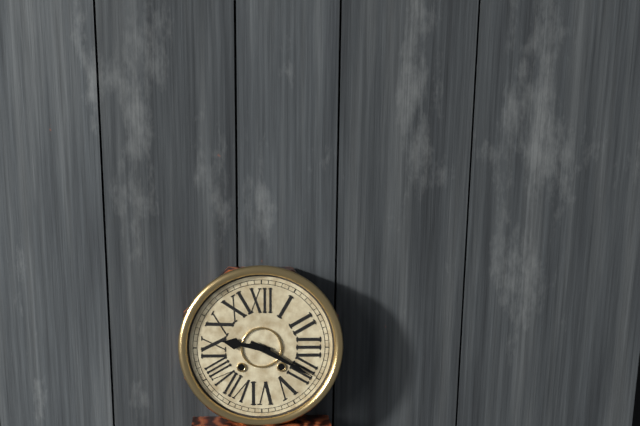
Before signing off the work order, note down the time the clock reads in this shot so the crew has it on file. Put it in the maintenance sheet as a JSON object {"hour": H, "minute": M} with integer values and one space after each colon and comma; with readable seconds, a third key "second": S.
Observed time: {"hour": 9, "minute": 20}
